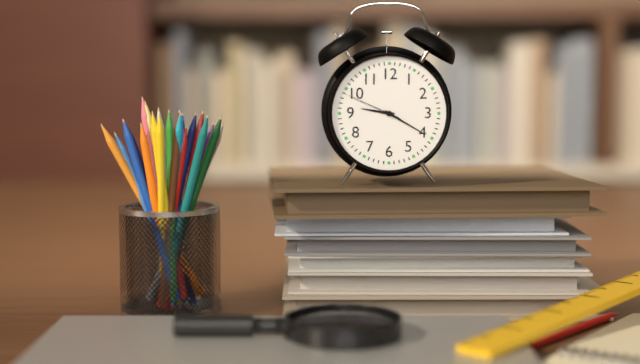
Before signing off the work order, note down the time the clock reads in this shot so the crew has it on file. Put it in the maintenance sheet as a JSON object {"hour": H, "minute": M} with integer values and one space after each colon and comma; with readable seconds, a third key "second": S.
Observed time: {"hour": 9, "minute": 20, "second": 49}
